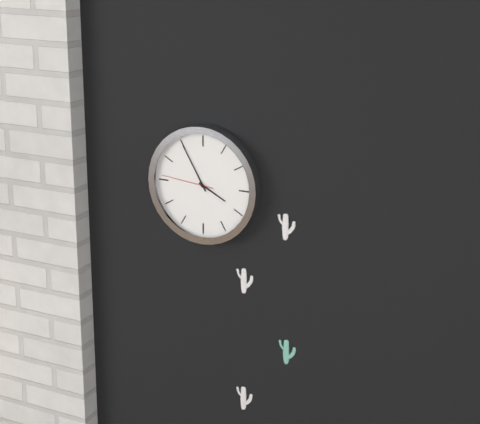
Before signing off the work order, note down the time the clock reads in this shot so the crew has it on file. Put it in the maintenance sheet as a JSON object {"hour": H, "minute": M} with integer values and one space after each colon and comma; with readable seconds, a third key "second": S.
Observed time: {"hour": 3, "minute": 55, "second": 46}
